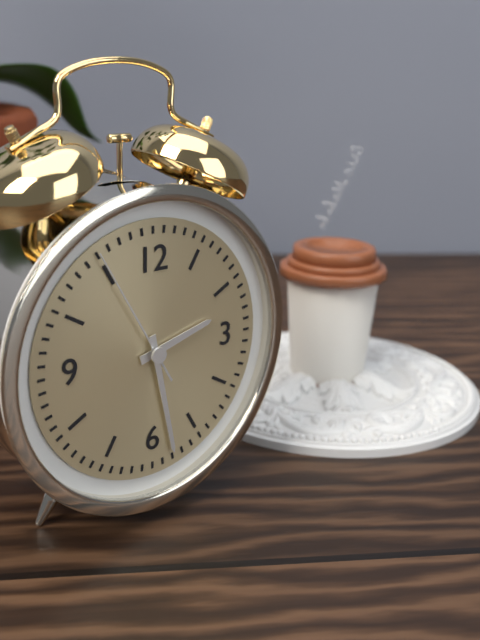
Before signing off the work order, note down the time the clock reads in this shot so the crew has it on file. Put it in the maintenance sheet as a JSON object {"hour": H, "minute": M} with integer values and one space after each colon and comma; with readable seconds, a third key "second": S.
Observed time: {"hour": 2, "minute": 28, "second": 55}
